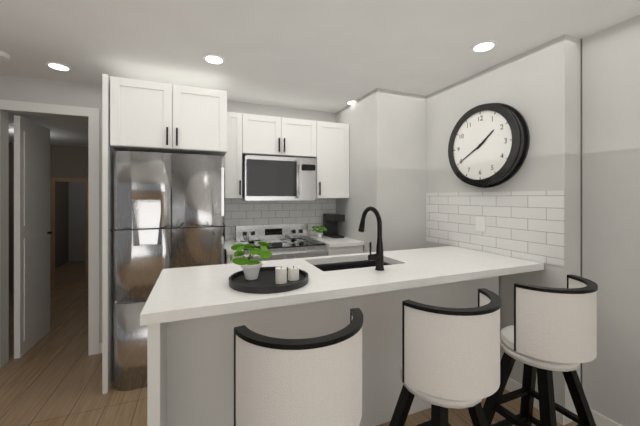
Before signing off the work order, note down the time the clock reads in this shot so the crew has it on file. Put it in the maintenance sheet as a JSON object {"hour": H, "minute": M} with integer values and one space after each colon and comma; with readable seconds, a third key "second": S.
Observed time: {"hour": 1, "minute": 40}
